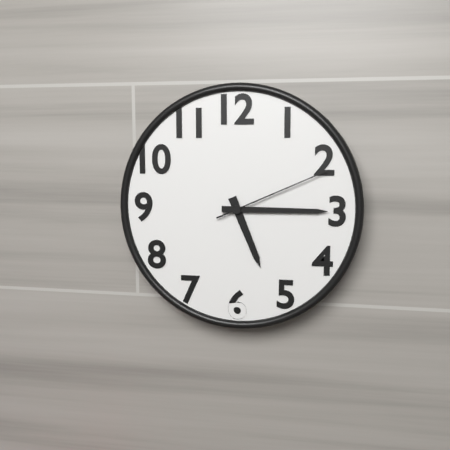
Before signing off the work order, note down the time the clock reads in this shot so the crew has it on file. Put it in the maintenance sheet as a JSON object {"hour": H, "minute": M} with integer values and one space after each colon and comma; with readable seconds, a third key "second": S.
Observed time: {"hour": 5, "minute": 15, "second": 11}
